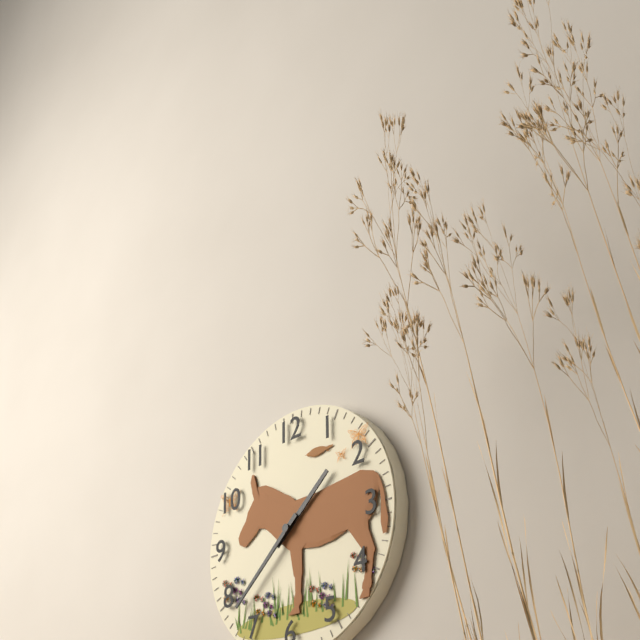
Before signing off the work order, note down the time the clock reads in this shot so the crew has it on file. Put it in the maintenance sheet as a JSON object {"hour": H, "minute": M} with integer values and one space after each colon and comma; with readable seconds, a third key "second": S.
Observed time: {"hour": 1, "minute": 38}
